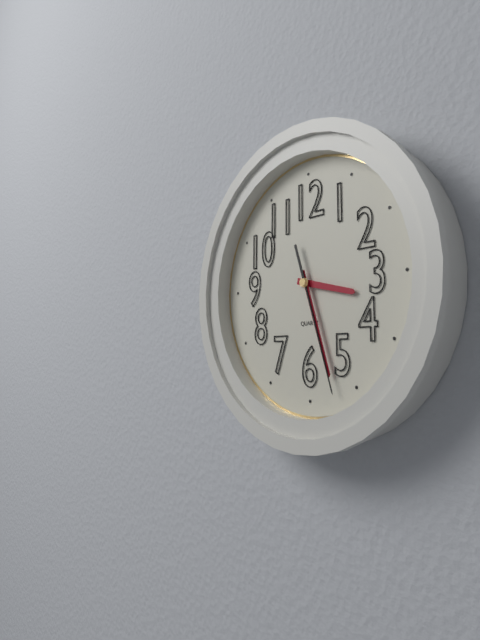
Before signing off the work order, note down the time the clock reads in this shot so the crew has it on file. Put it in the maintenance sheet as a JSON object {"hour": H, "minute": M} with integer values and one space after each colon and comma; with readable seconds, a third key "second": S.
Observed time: {"hour": 3, "minute": 27, "second": 27}
